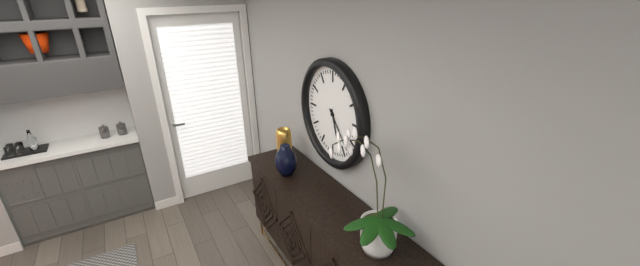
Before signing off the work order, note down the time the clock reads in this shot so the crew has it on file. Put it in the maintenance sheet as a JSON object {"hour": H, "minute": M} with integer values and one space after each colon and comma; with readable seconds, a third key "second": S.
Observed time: {"hour": 5, "minute": 23}
